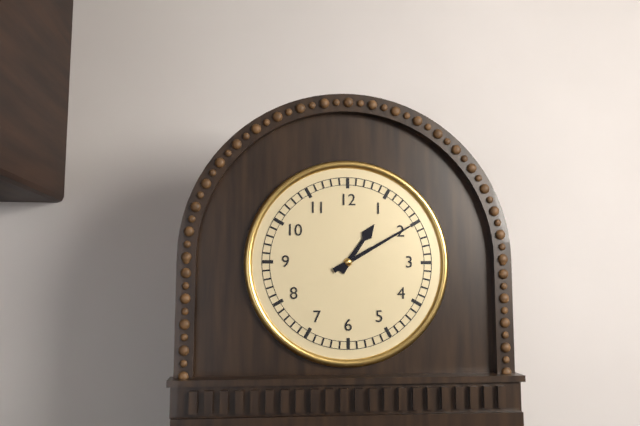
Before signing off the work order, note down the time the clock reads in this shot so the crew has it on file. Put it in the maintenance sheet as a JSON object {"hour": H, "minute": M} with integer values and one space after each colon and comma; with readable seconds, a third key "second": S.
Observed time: {"hour": 1, "minute": 10}
